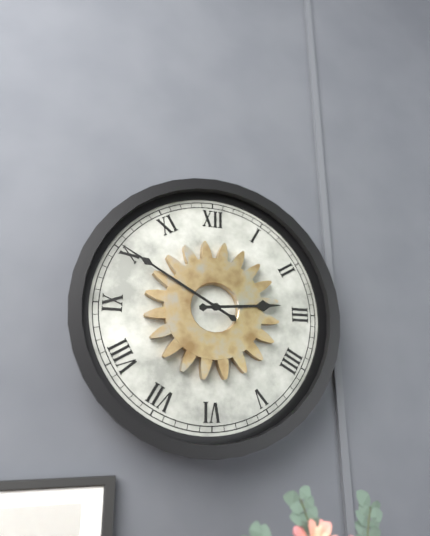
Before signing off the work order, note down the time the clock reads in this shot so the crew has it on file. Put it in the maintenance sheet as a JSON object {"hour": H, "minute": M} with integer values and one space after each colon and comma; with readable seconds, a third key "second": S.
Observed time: {"hour": 2, "minute": 50}
